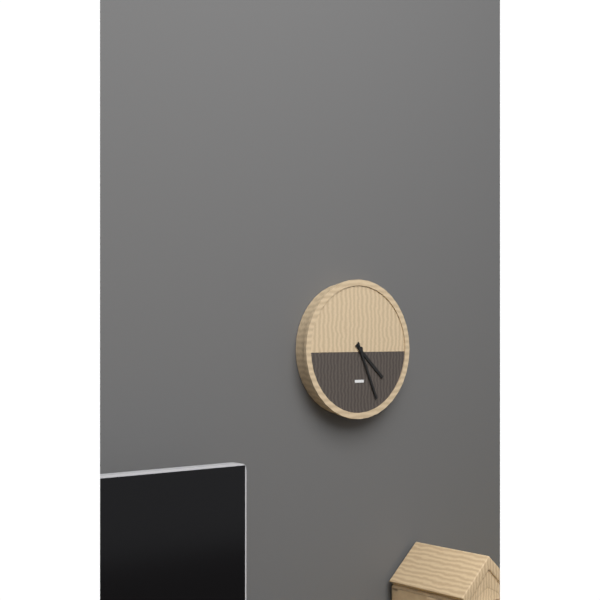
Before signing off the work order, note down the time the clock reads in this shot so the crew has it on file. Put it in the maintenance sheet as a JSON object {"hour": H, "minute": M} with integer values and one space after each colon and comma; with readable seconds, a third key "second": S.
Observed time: {"hour": 4, "minute": 26}
